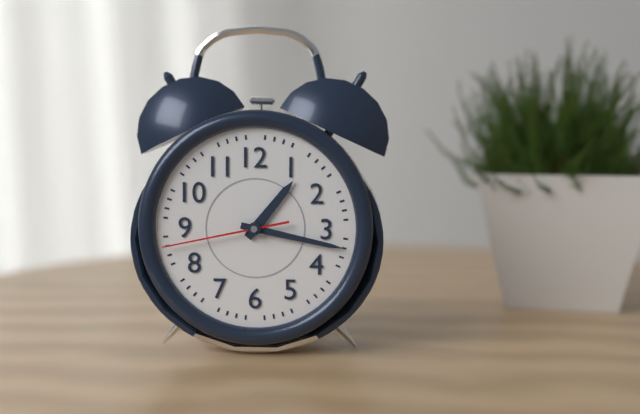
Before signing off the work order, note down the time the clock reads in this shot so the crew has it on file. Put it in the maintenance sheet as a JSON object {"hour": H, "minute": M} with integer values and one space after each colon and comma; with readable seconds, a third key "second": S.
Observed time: {"hour": 1, "minute": 17, "second": 43}
